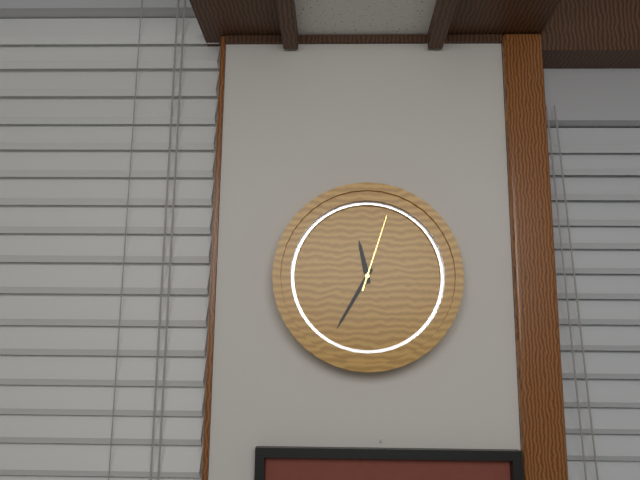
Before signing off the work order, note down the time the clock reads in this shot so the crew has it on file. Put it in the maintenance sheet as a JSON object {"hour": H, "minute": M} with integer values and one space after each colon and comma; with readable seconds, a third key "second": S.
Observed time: {"hour": 11, "minute": 35, "second": 3}
